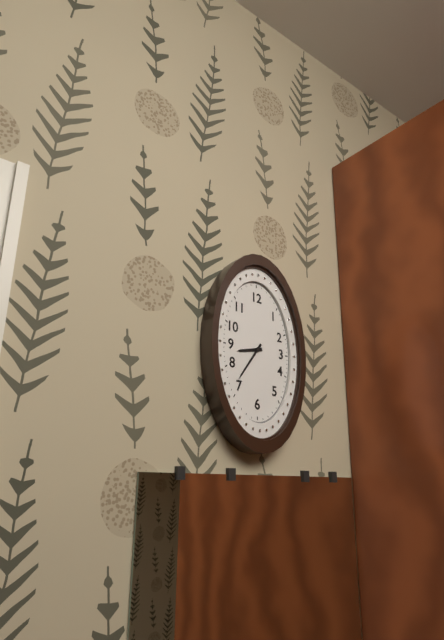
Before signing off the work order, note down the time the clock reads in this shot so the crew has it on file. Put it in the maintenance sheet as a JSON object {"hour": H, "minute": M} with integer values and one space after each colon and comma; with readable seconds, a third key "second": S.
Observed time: {"hour": 8, "minute": 36}
